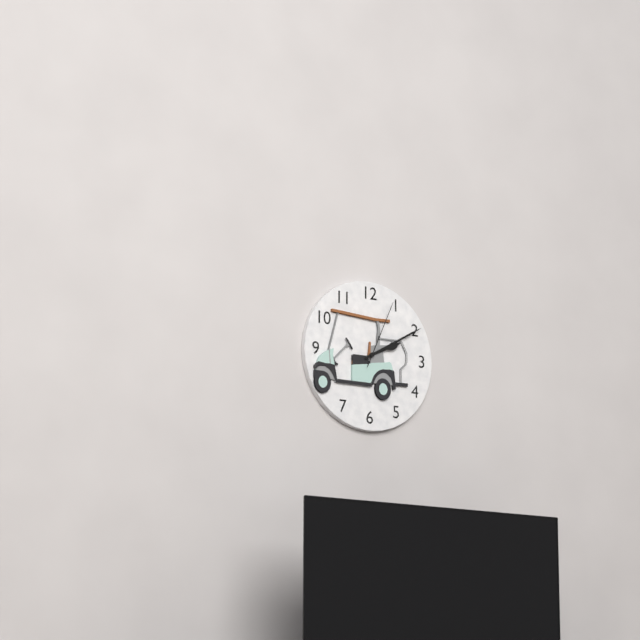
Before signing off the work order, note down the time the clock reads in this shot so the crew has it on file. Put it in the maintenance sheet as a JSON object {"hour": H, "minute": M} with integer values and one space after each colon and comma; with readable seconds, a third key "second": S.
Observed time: {"hour": 2, "minute": 10, "second": 4}
